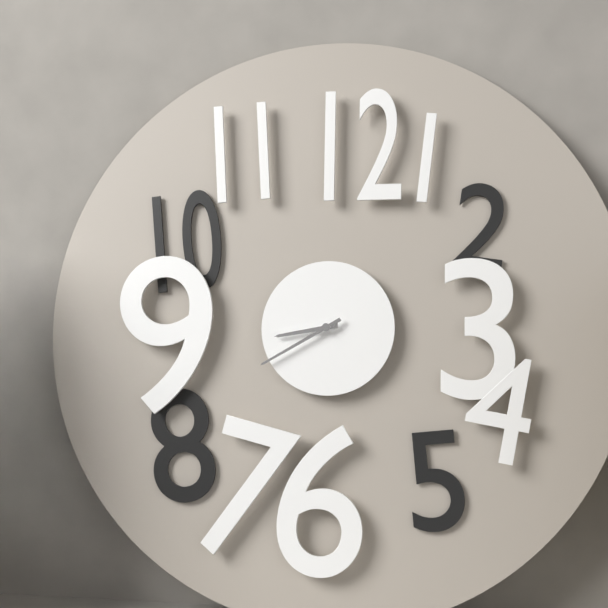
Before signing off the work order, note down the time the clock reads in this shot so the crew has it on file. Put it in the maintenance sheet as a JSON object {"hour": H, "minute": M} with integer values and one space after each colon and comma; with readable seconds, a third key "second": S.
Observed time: {"hour": 8, "minute": 40}
